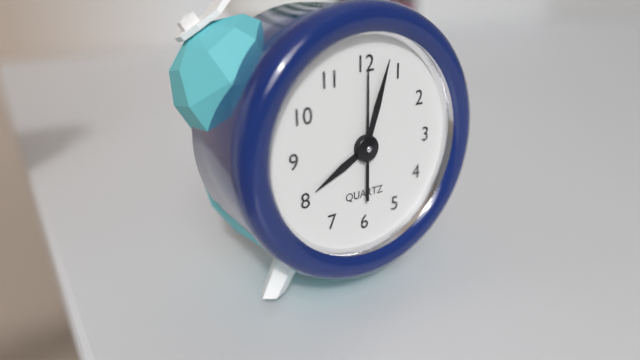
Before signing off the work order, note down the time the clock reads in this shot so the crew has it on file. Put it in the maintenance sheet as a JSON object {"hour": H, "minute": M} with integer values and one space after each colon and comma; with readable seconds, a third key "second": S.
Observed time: {"hour": 8, "minute": 3, "second": 0}
